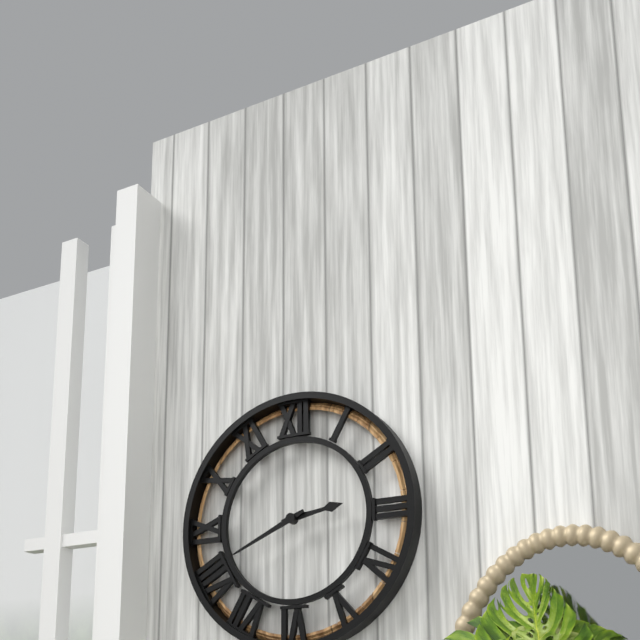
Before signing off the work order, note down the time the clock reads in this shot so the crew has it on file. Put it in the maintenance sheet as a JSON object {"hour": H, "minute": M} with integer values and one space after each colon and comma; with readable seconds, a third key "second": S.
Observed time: {"hour": 2, "minute": 41}
